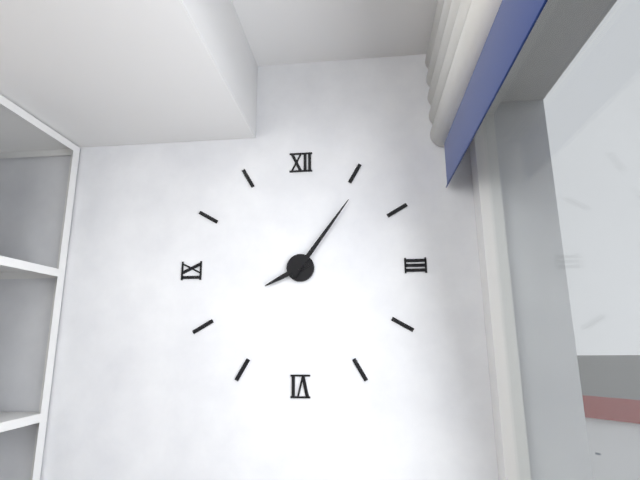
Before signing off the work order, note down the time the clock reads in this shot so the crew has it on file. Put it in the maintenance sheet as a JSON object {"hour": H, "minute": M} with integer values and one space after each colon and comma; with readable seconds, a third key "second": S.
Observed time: {"hour": 8, "minute": 6}
